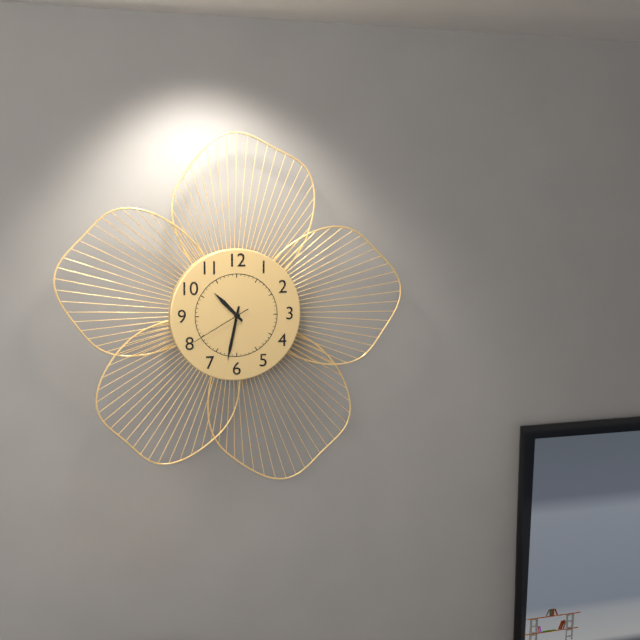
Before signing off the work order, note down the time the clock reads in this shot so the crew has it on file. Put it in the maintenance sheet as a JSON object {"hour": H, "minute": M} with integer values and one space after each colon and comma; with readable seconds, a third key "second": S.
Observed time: {"hour": 10, "minute": 32, "second": 40}
